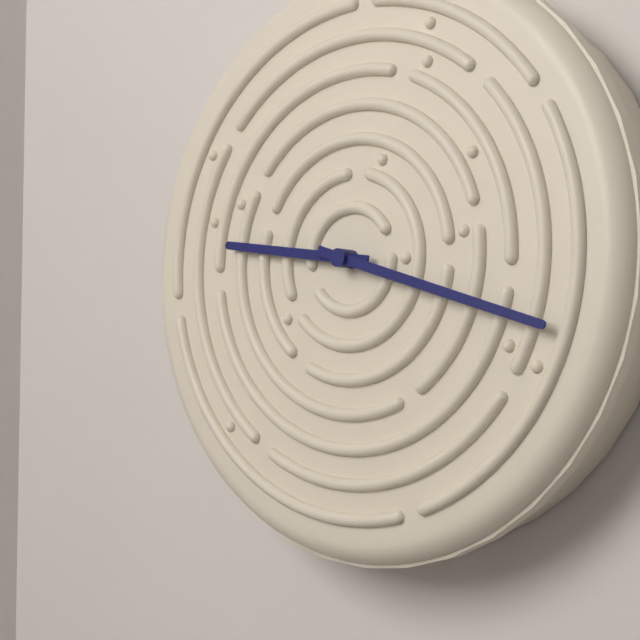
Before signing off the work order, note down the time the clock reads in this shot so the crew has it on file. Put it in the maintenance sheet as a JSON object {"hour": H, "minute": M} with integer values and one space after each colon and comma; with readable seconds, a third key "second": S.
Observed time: {"hour": 9, "minute": 18}
